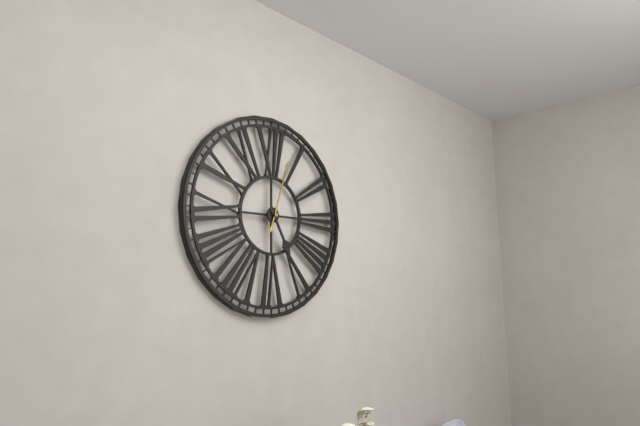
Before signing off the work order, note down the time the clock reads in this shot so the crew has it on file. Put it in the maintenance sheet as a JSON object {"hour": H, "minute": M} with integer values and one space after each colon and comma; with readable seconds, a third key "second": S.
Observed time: {"hour": 5, "minute": 3}
